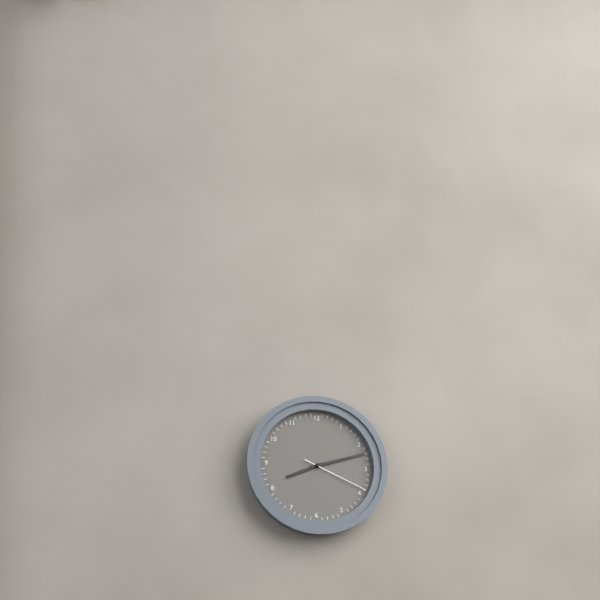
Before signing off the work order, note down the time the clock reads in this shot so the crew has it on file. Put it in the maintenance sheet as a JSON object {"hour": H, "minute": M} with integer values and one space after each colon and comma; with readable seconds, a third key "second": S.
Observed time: {"hour": 8, "minute": 12, "second": 19}
